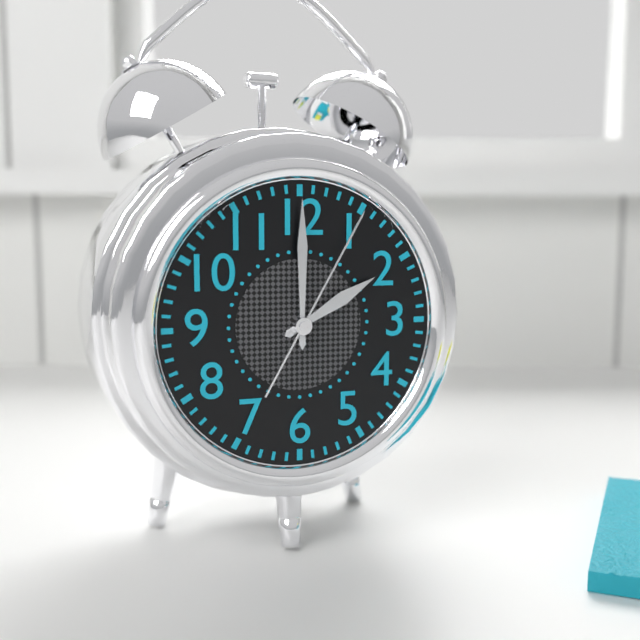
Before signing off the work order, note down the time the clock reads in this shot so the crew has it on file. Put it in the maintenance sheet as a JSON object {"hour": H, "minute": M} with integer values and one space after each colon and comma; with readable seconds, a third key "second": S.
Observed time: {"hour": 2, "minute": 0, "second": 5}
